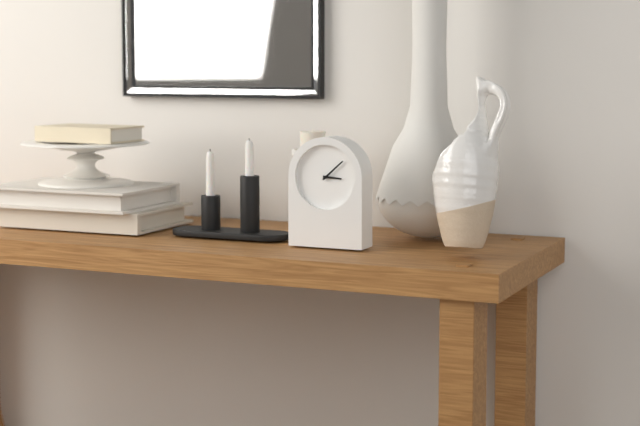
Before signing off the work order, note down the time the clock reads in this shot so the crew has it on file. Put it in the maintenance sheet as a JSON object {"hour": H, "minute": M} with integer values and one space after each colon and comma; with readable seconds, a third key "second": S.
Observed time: {"hour": 3, "minute": 8}
